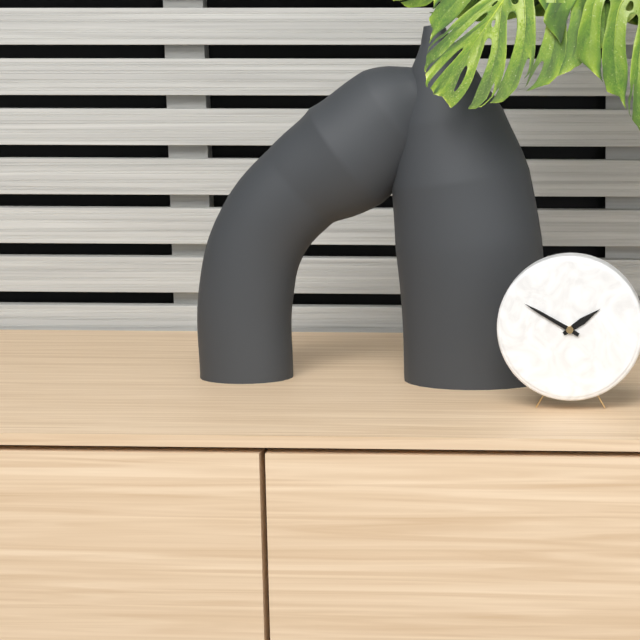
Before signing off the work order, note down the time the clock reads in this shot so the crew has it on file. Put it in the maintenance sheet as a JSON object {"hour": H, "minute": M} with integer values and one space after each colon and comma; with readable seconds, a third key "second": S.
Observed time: {"hour": 1, "minute": 50}
